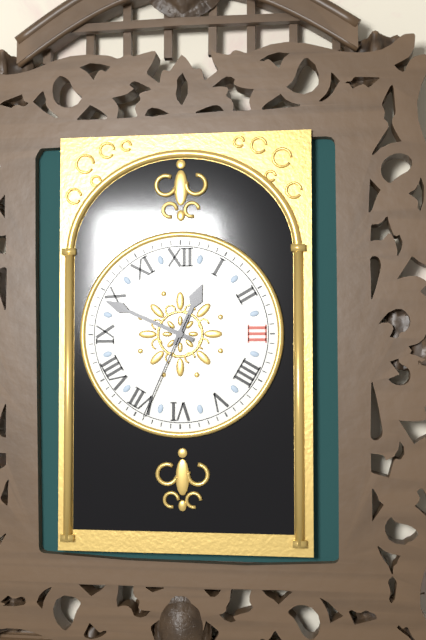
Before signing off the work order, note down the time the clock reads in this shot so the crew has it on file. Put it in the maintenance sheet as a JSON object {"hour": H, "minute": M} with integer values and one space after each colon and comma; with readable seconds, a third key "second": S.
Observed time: {"hour": 12, "minute": 49, "second": 34}
